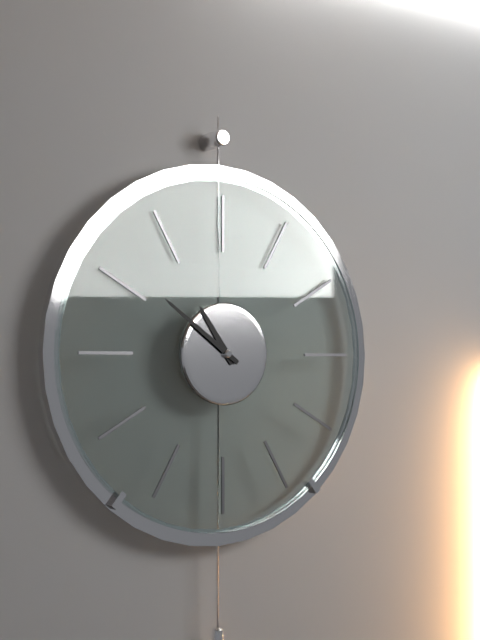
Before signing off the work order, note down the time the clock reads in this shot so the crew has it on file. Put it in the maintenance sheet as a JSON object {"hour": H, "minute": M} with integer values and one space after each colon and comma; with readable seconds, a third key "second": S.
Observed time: {"hour": 10, "minute": 51}
